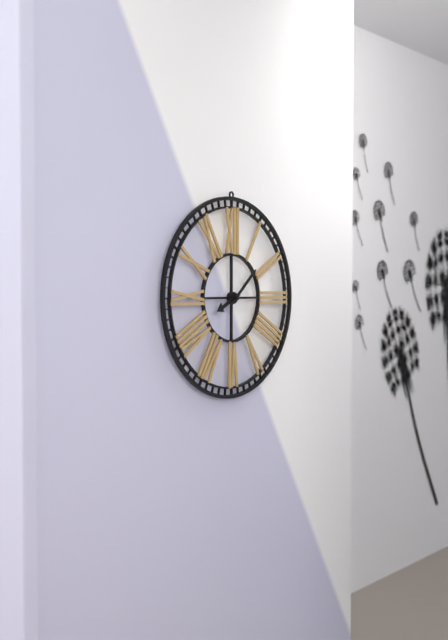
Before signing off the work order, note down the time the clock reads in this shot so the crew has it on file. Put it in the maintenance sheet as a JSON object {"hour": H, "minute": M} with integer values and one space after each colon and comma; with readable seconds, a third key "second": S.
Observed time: {"hour": 8, "minute": 8}
